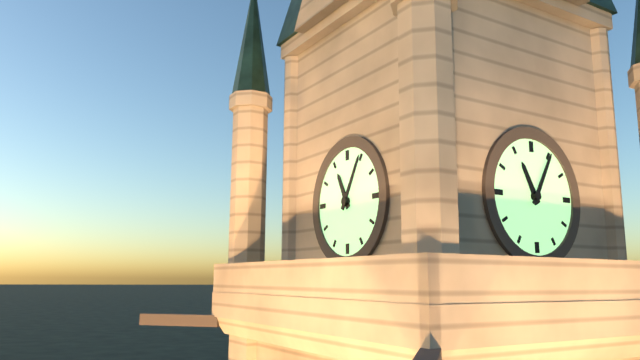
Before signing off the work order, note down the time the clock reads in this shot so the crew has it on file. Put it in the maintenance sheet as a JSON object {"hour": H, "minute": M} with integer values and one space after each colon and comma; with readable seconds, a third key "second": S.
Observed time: {"hour": 11, "minute": 5}
